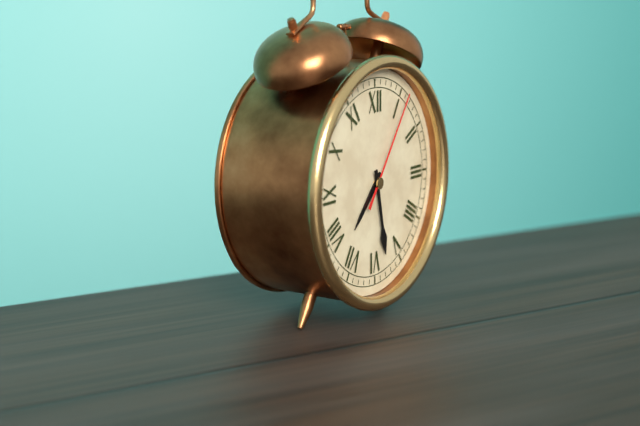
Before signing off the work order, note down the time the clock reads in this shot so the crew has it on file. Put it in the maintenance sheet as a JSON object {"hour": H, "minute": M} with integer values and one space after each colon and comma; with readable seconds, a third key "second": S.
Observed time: {"hour": 7, "minute": 28, "second": 6}
